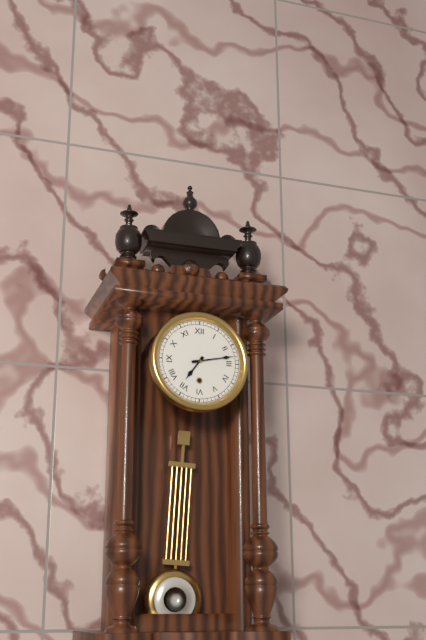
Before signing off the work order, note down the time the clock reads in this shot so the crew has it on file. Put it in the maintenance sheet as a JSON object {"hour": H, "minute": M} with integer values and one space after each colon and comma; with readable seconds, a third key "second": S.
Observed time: {"hour": 7, "minute": 13}
